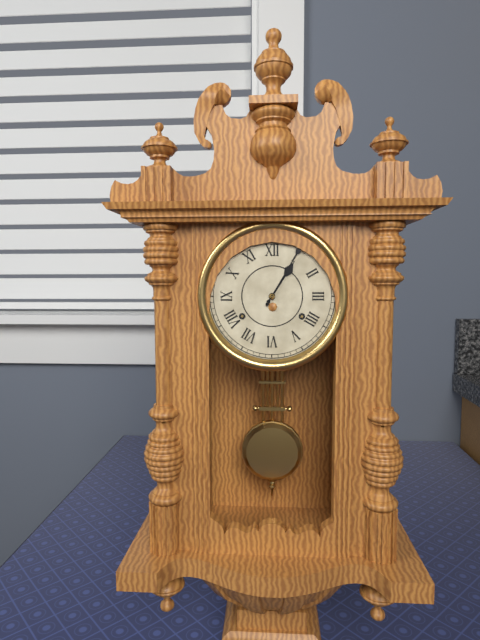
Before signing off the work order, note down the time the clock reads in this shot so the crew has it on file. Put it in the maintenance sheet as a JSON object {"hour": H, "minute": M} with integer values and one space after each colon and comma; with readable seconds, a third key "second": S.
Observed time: {"hour": 1, "minute": 5}
